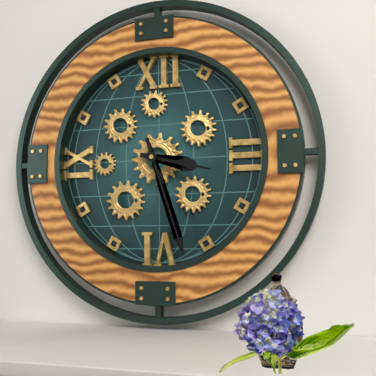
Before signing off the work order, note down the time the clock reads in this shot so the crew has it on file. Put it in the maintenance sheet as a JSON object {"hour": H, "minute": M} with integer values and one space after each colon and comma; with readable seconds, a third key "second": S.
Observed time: {"hour": 3, "minute": 27}
